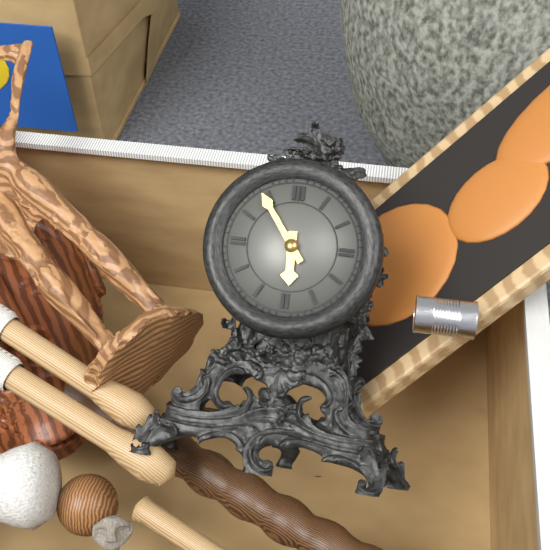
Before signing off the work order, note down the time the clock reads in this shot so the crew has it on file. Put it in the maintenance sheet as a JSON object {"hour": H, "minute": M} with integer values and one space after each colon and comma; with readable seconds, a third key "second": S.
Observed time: {"hour": 5, "minute": 54}
